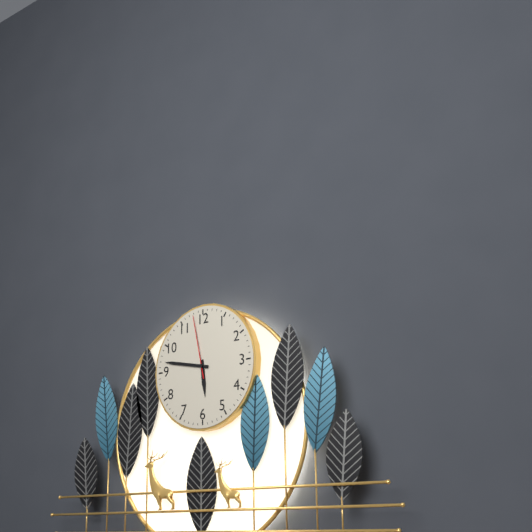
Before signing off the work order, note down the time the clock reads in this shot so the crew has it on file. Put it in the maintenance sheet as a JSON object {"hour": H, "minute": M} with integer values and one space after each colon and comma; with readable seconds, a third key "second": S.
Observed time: {"hour": 5, "minute": 47, "second": 58}
